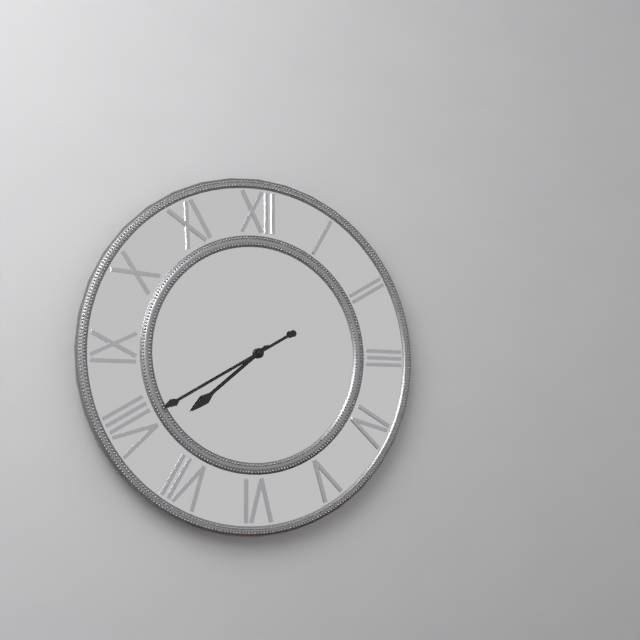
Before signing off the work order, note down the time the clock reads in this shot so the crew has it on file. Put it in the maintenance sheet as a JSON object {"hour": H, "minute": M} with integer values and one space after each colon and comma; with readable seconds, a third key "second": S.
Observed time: {"hour": 7, "minute": 40}
